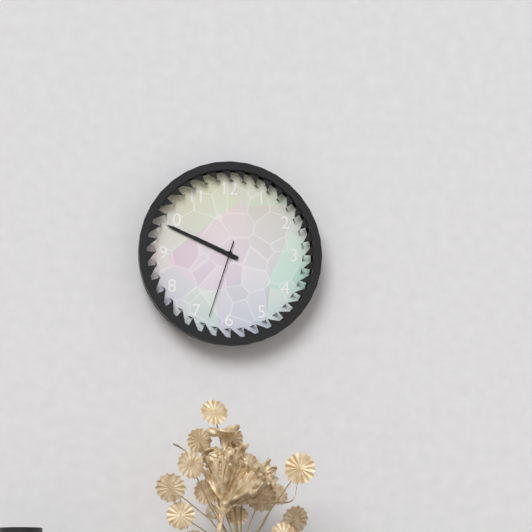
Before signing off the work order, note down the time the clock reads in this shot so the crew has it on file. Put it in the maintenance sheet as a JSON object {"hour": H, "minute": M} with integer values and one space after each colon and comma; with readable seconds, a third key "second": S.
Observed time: {"hour": 9, "minute": 49, "second": 33}
